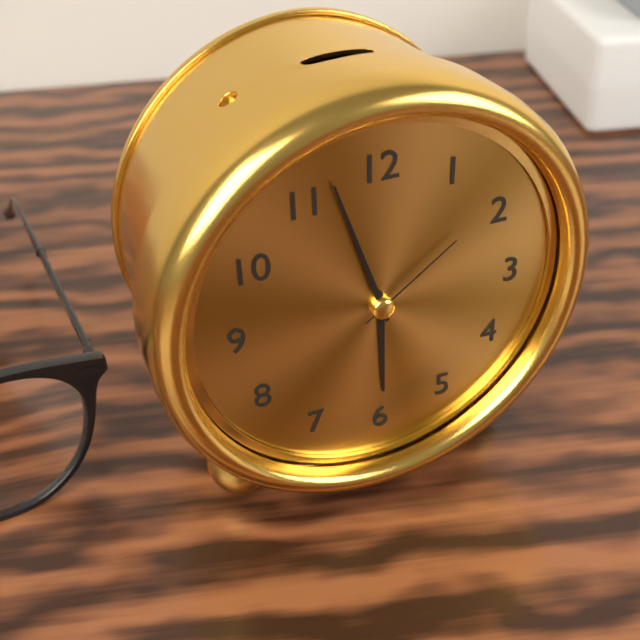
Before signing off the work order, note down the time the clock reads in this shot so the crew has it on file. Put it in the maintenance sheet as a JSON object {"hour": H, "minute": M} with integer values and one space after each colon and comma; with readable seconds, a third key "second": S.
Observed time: {"hour": 5, "minute": 57, "second": 9}
